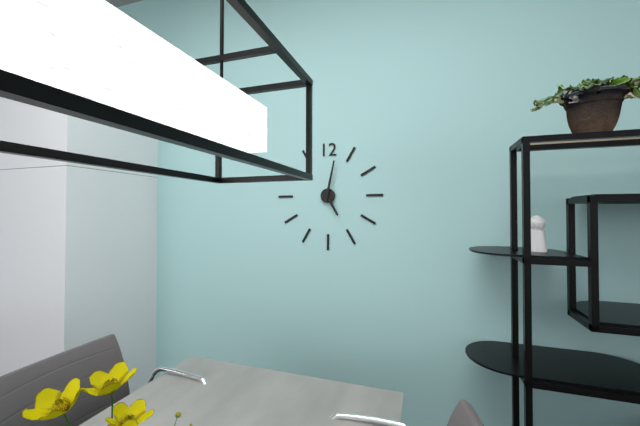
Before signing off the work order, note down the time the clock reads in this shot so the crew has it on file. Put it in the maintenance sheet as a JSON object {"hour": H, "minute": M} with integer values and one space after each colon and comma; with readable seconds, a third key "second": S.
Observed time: {"hour": 5, "minute": 2}
